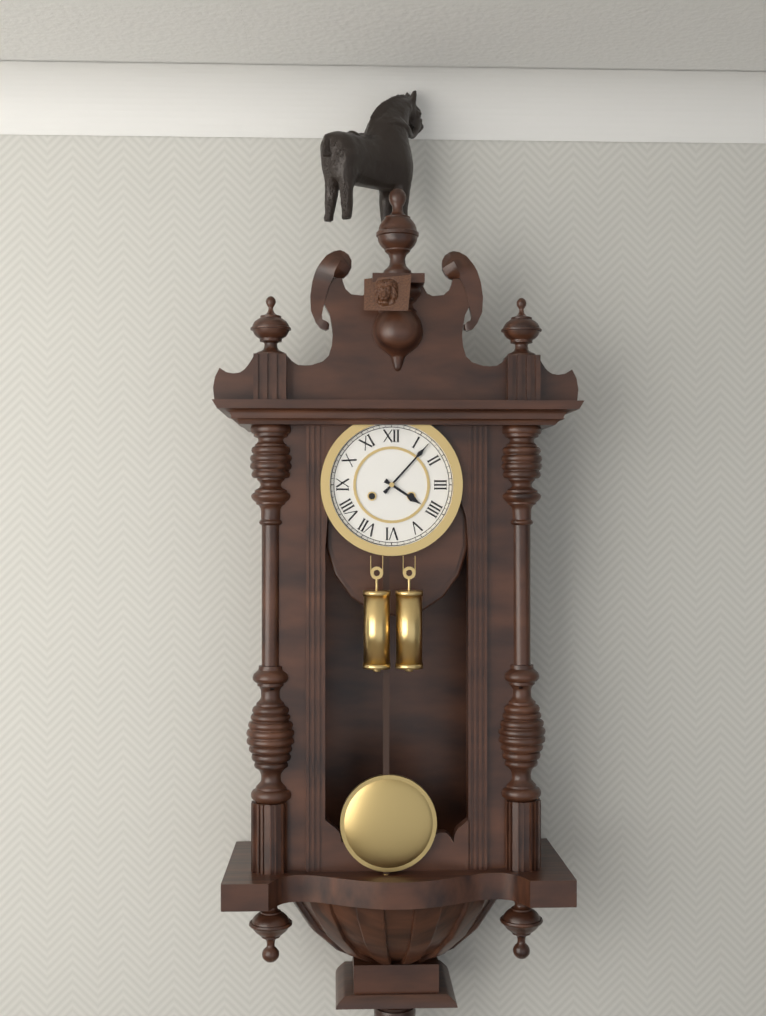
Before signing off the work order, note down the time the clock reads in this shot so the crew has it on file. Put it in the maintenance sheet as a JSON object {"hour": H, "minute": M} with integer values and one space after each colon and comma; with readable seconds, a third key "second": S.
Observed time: {"hour": 4, "minute": 7}
